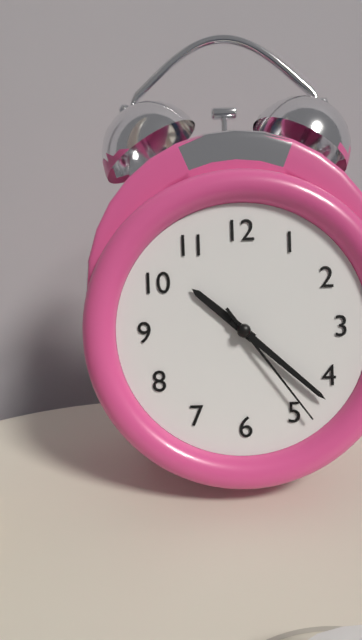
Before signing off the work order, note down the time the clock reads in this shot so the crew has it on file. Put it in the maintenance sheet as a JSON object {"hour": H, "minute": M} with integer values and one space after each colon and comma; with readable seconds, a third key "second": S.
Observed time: {"hour": 10, "minute": 22, "second": 24}
